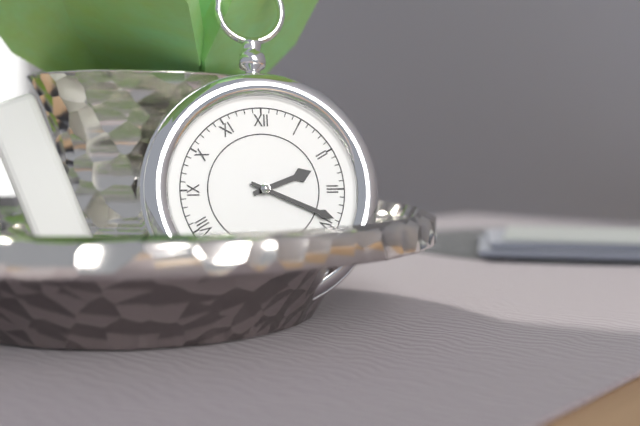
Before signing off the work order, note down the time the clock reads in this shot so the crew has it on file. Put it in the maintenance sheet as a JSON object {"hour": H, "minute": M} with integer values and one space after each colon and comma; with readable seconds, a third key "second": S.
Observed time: {"hour": 2, "minute": 19}
